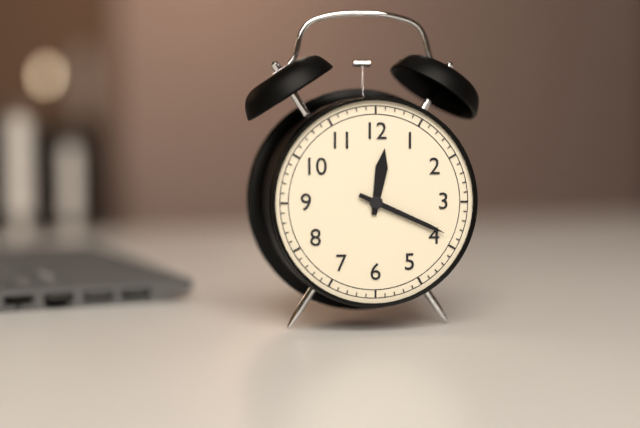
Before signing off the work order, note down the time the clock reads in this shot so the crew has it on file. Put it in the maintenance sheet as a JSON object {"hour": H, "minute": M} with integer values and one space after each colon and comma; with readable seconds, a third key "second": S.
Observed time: {"hour": 12, "minute": 19}
